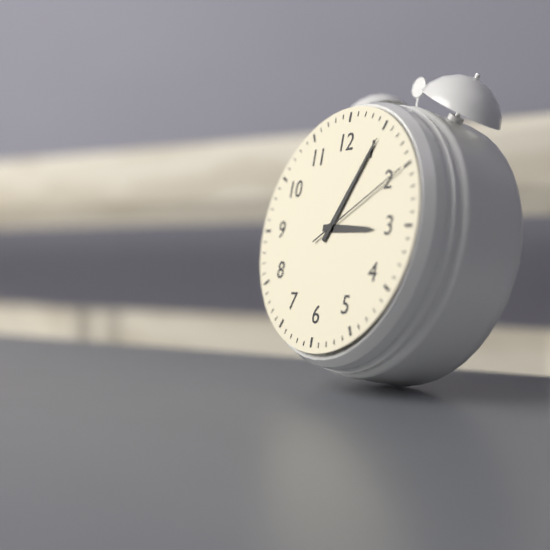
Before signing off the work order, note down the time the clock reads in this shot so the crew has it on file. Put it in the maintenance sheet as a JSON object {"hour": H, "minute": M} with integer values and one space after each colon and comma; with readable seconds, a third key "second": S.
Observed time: {"hour": 3, "minute": 5, "second": 10}
